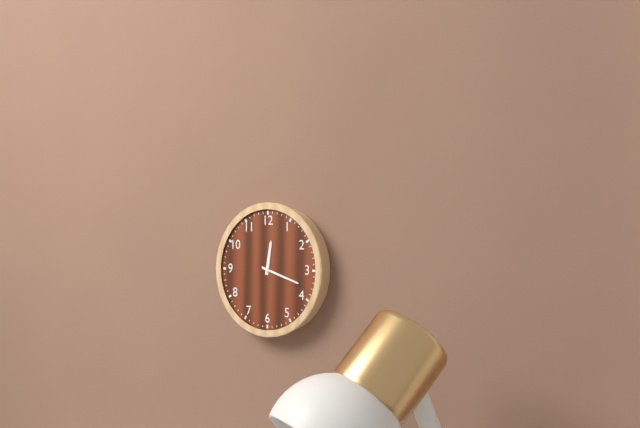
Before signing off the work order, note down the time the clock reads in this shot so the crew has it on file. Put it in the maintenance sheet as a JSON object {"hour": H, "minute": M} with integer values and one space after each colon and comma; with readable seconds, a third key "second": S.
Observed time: {"hour": 12, "minute": 18}
